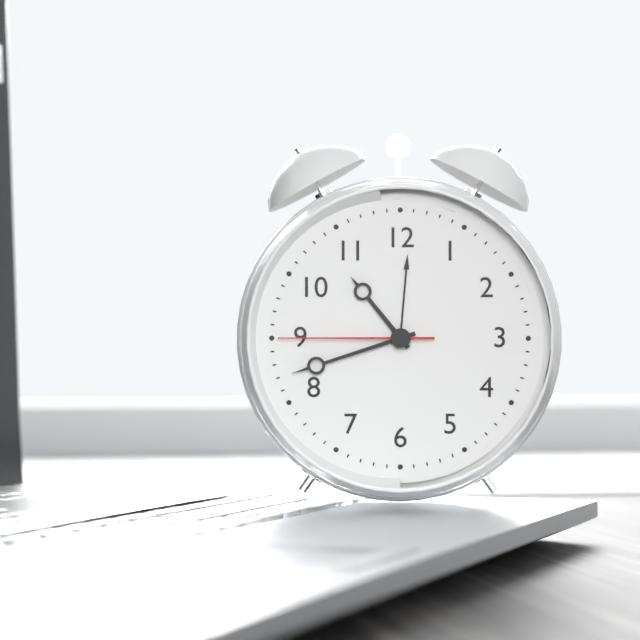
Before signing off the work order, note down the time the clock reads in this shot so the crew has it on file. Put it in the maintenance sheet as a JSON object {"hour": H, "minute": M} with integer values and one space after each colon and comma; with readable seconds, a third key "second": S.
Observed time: {"hour": 10, "minute": 42, "second": 45}
